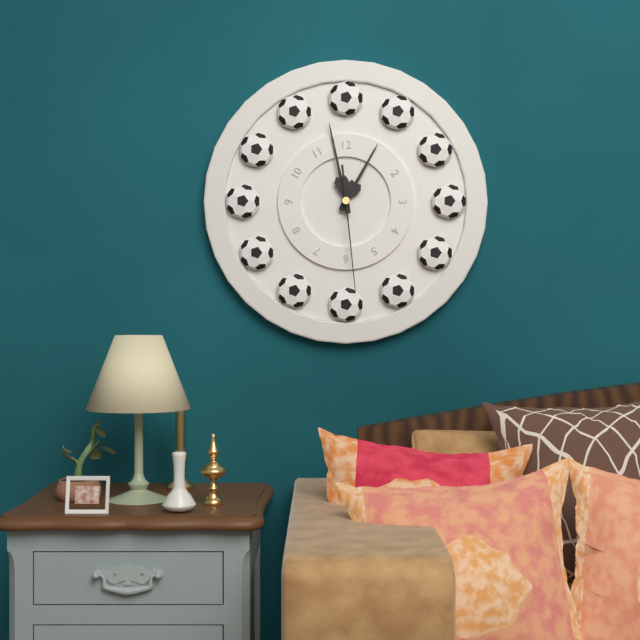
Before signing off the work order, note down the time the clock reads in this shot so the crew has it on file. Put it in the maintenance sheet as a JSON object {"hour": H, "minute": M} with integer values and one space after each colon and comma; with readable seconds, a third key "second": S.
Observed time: {"hour": 12, "minute": 58, "second": 29}
